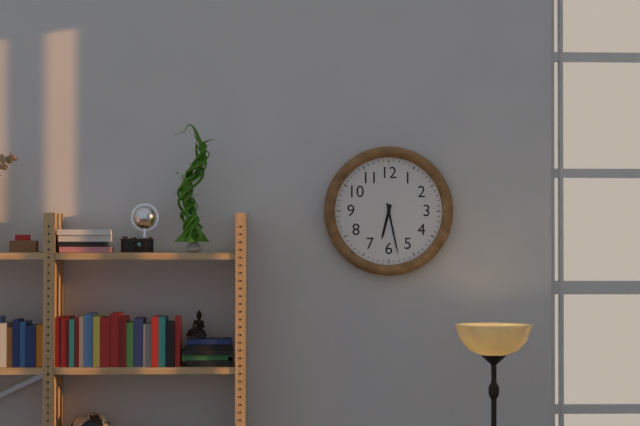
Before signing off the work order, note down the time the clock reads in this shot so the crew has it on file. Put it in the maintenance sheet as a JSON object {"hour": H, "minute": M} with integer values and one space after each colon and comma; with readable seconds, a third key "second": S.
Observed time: {"hour": 6, "minute": 28}
